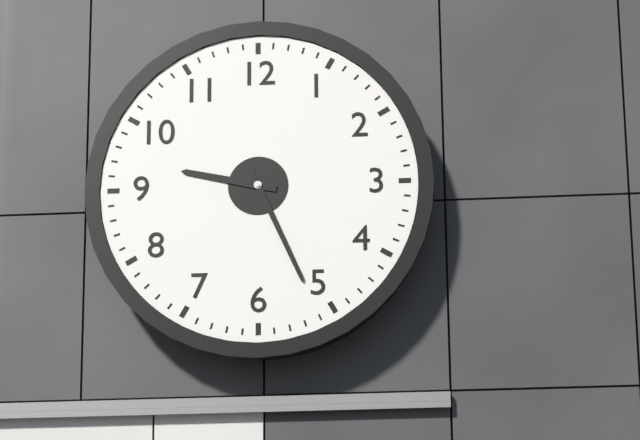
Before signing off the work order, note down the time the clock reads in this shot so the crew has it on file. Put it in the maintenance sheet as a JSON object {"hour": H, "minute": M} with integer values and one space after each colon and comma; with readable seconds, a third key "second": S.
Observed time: {"hour": 9, "minute": 26}
